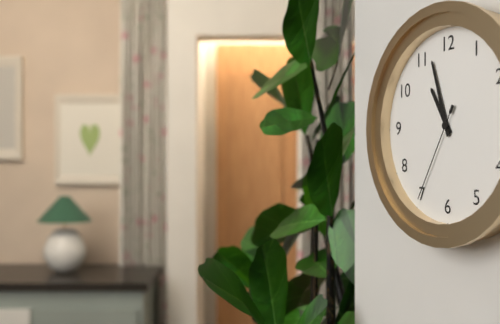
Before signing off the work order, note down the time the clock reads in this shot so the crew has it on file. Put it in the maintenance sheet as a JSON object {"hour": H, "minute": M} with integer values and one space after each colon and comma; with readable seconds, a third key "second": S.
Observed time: {"hour": 10, "minute": 57, "second": 35}
